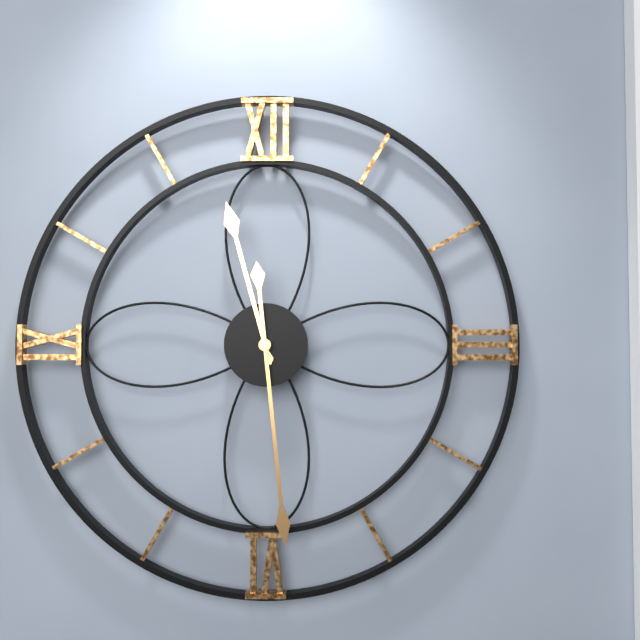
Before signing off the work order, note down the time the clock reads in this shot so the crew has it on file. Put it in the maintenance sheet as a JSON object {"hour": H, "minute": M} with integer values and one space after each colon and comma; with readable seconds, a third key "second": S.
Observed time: {"hour": 11, "minute": 29}
